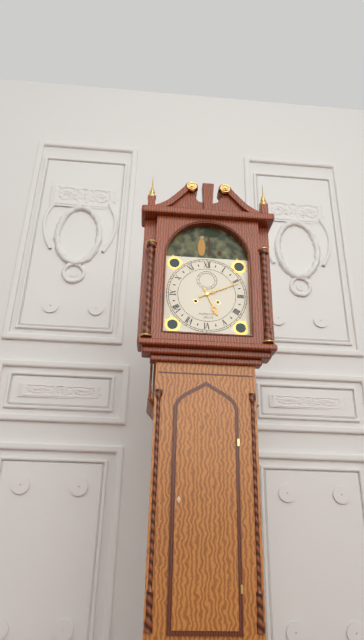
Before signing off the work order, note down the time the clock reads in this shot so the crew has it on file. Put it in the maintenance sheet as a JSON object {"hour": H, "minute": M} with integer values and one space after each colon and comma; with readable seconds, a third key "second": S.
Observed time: {"hour": 5, "minute": 11}
